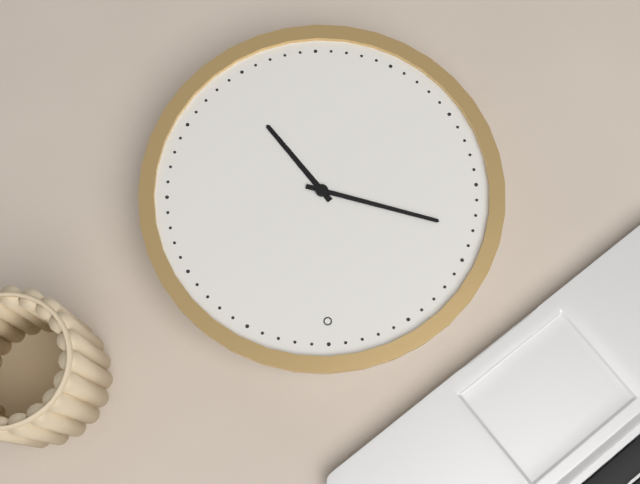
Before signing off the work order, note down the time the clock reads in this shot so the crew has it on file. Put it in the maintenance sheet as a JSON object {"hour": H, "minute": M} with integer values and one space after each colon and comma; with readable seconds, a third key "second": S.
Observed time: {"hour": 4, "minute": 48}
